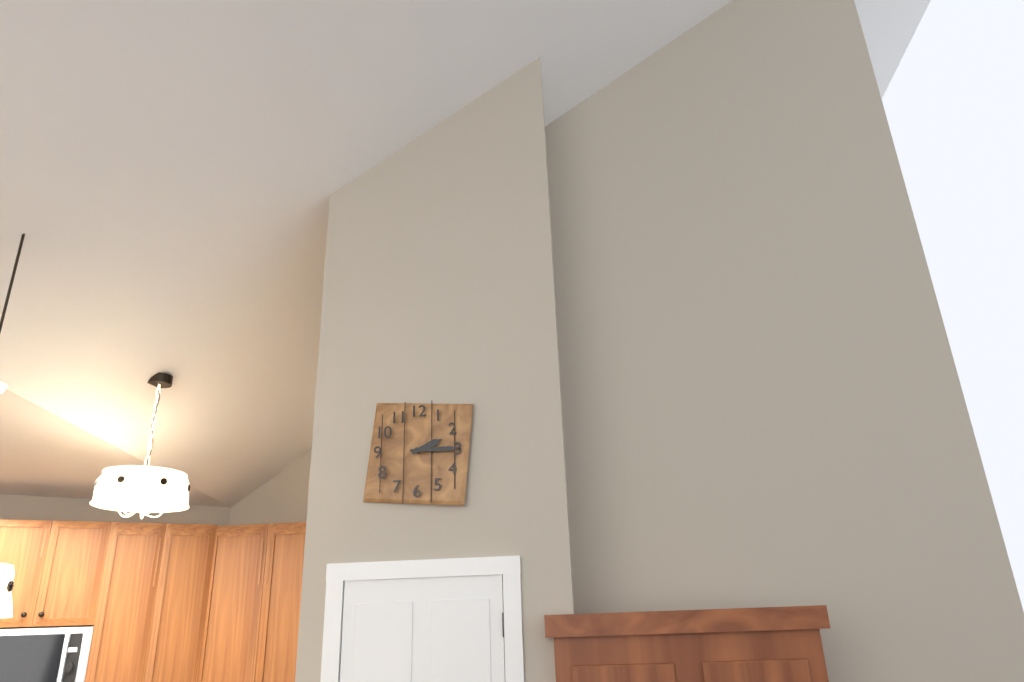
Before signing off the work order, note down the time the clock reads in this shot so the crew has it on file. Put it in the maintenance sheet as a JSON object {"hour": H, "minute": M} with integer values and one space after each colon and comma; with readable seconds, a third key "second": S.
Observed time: {"hour": 2, "minute": 15}
